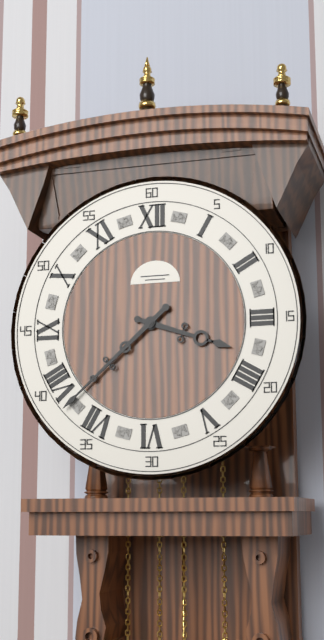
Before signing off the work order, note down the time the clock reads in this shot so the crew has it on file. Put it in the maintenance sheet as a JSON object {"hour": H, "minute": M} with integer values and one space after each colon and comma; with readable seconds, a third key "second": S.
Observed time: {"hour": 3, "minute": 38}
